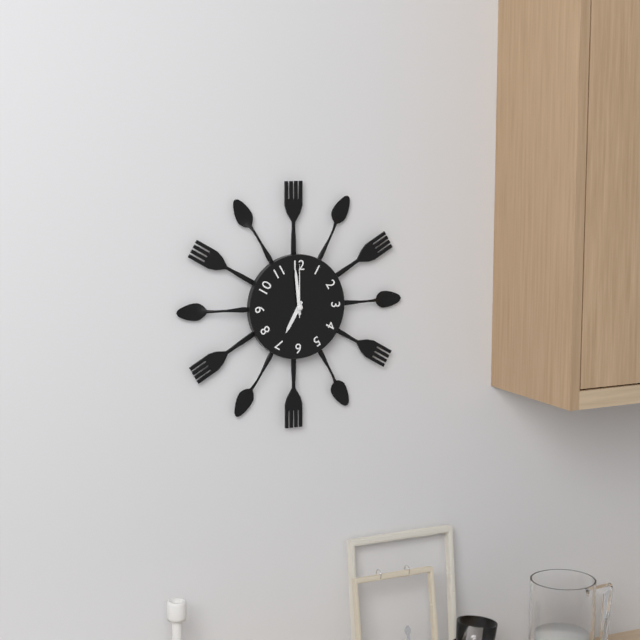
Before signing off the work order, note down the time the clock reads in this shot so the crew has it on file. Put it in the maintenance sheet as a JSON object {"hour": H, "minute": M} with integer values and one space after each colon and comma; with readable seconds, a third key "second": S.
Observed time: {"hour": 6, "minute": 59, "second": 0}
